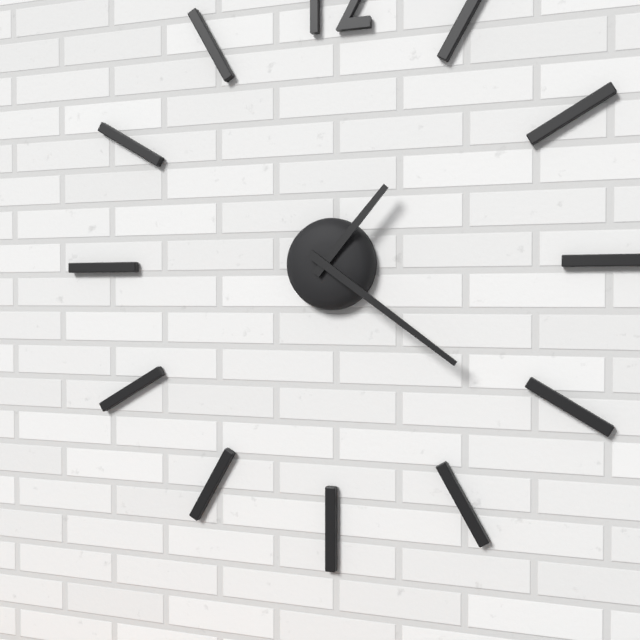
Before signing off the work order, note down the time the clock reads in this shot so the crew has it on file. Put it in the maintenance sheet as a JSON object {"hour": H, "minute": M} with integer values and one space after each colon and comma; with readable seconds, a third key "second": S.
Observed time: {"hour": 1, "minute": 21}
